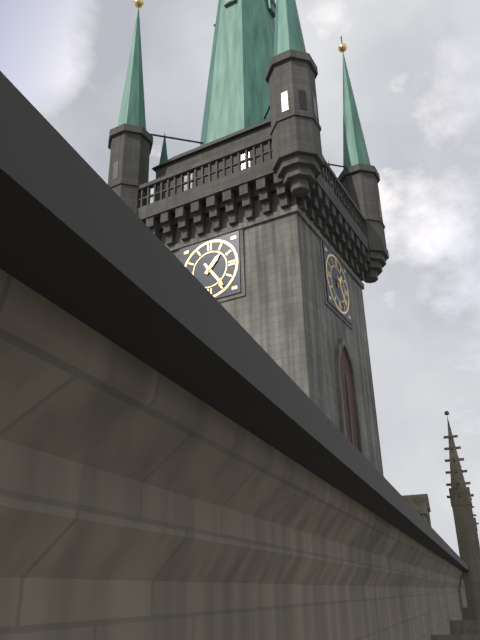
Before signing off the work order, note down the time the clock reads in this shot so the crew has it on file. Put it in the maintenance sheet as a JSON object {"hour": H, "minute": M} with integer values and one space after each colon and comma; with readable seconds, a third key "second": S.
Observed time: {"hour": 1, "minute": 24}
